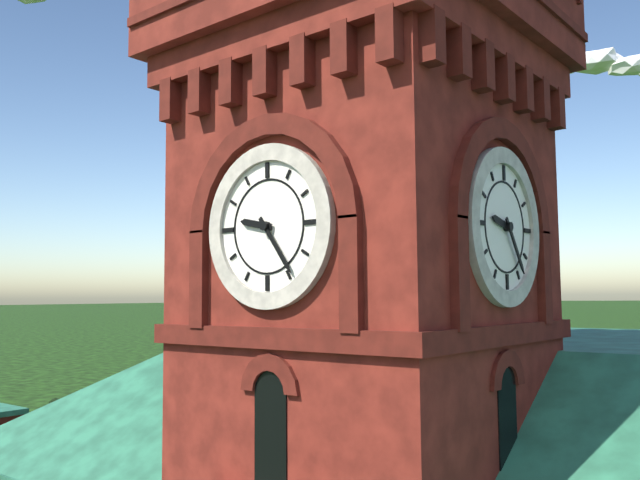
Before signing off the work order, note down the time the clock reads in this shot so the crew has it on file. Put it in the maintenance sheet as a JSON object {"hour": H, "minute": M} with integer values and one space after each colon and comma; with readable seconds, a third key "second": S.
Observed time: {"hour": 9, "minute": 24}
